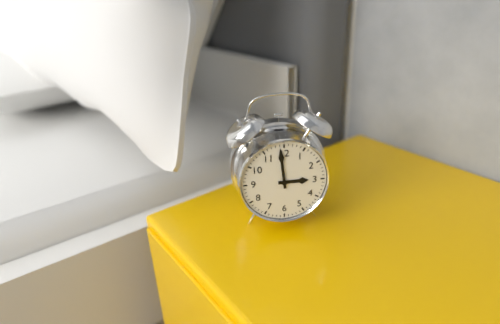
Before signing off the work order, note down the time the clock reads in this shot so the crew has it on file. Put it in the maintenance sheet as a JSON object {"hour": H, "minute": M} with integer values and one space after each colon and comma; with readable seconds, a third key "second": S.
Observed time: {"hour": 2, "minute": 59}
